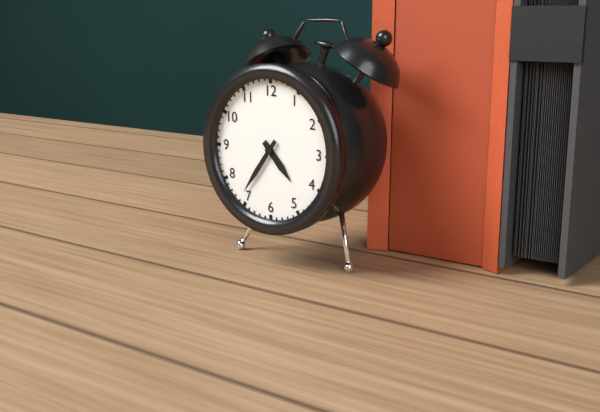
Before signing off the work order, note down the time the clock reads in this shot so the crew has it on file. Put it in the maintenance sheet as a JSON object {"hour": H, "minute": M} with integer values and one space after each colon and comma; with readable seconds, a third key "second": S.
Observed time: {"hour": 4, "minute": 36}
